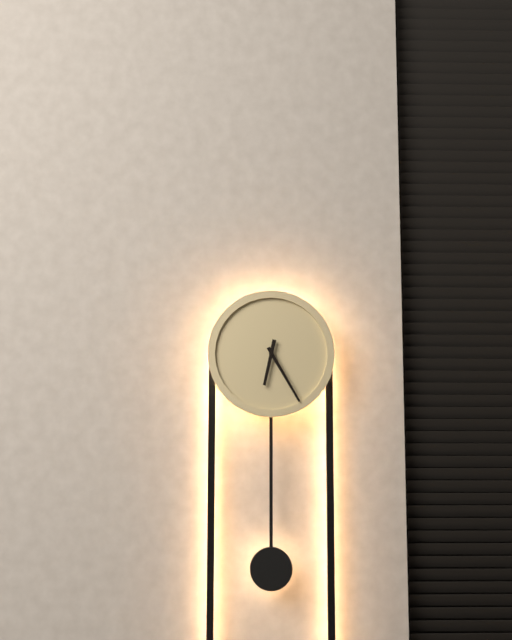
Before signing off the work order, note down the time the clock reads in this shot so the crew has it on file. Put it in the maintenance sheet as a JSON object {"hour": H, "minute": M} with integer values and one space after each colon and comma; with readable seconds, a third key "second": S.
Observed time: {"hour": 6, "minute": 25}
